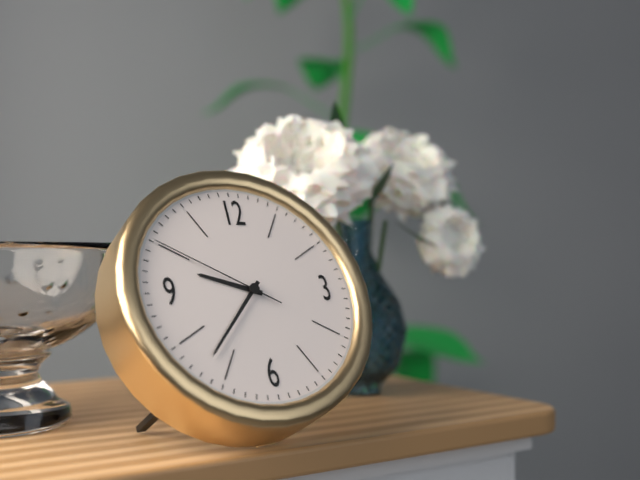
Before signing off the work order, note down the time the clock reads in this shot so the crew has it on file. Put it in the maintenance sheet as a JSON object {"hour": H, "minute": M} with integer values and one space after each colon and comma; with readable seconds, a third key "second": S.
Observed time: {"hour": 9, "minute": 37, "second": 50}
